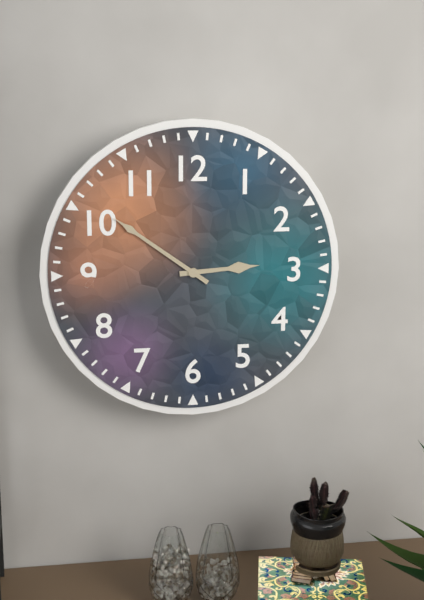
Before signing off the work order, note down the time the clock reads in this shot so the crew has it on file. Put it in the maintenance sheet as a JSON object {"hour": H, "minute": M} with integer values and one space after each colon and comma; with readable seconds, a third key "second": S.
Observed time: {"hour": 2, "minute": 51}
